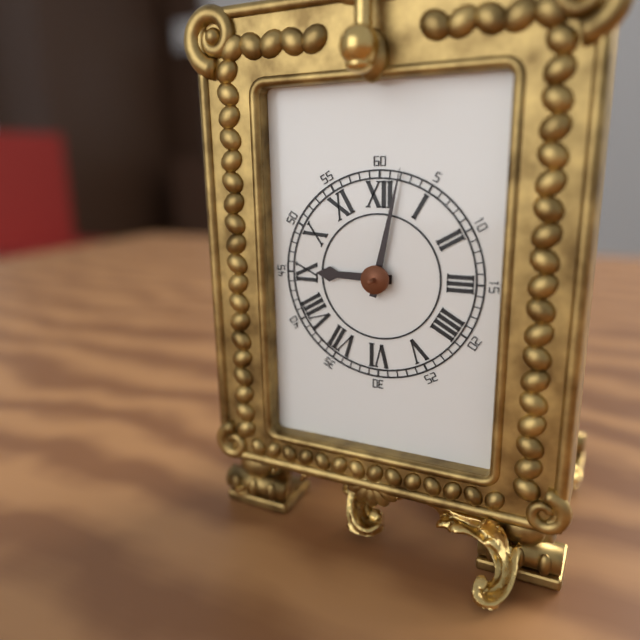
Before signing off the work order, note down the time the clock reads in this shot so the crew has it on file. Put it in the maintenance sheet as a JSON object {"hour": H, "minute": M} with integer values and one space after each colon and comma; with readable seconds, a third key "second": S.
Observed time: {"hour": 9, "minute": 2}
